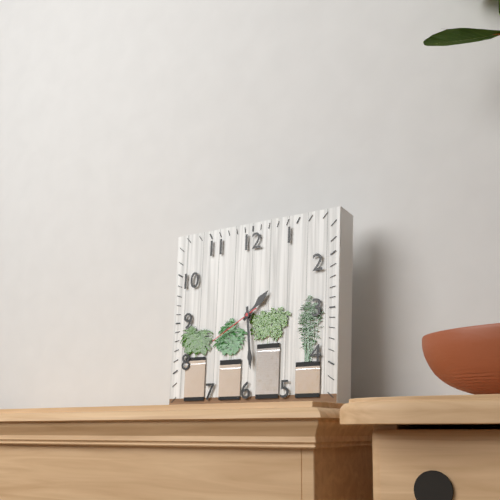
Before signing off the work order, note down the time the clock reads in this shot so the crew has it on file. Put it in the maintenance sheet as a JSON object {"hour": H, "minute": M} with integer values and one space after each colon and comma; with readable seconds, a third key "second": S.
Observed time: {"hour": 1, "minute": 29, "second": 40}
